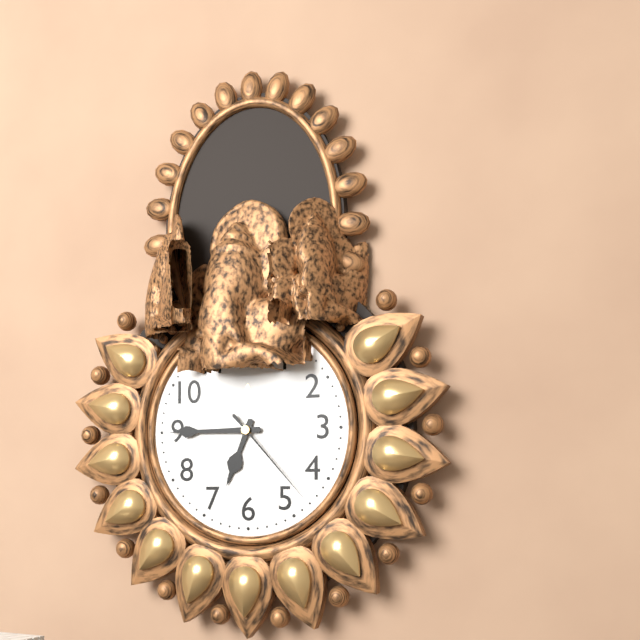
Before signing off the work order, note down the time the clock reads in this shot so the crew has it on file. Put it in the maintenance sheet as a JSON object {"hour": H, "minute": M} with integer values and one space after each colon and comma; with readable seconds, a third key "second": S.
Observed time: {"hour": 6, "minute": 45, "second": 23}
